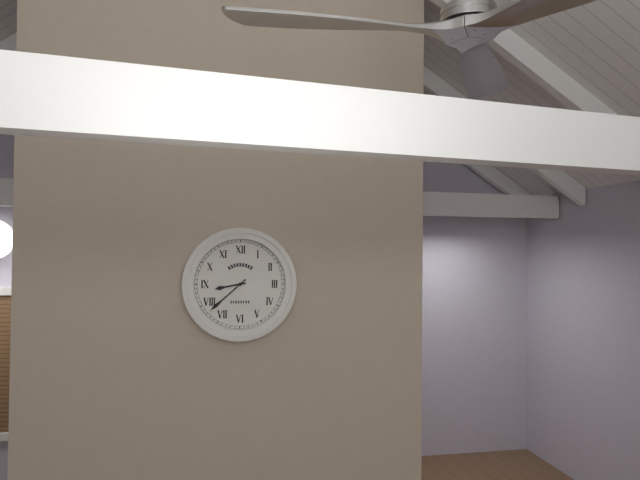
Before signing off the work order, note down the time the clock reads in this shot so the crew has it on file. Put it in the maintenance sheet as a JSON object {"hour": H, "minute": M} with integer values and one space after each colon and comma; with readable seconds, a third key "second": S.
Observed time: {"hour": 8, "minute": 38}
